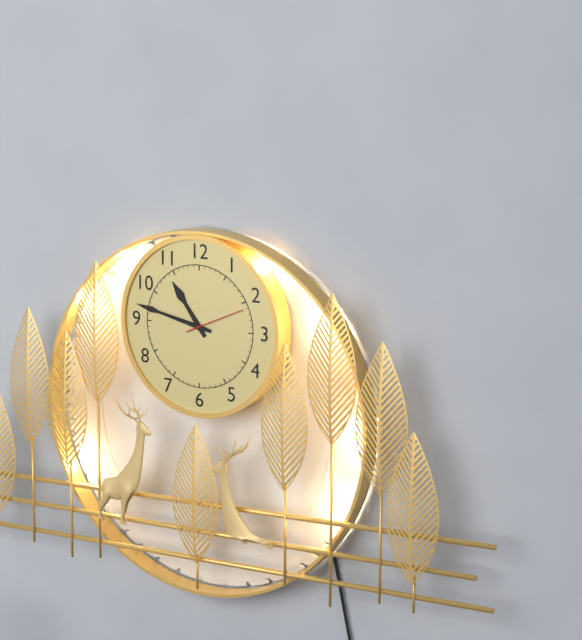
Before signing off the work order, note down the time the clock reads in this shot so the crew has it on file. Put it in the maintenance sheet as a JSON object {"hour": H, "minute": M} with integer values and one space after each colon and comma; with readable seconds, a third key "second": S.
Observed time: {"hour": 10, "minute": 47}
